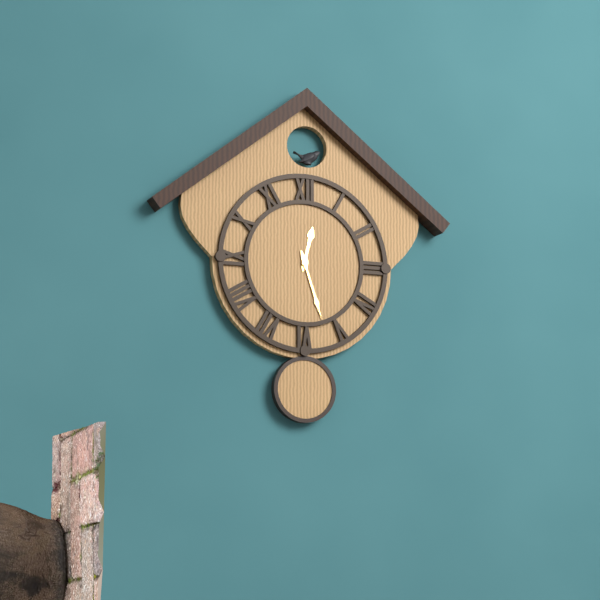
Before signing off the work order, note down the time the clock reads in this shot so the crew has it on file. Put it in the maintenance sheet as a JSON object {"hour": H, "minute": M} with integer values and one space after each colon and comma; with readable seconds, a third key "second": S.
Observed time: {"hour": 12, "minute": 27}
